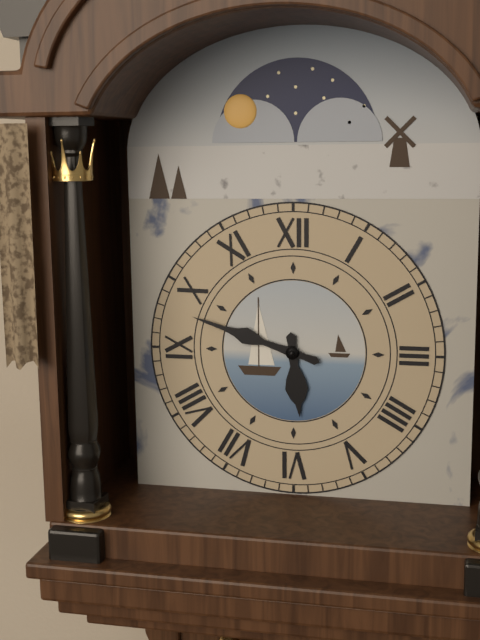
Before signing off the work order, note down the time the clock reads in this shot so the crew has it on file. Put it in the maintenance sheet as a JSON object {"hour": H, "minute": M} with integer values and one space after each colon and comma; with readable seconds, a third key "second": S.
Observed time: {"hour": 5, "minute": 48}
